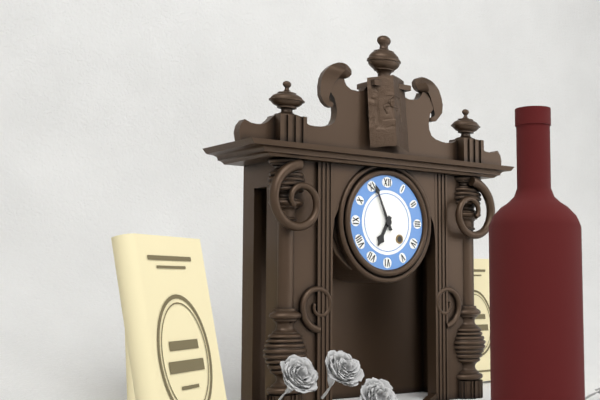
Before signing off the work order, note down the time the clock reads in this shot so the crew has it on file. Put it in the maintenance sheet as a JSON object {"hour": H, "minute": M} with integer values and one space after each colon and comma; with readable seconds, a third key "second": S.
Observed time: {"hour": 6, "minute": 56}
